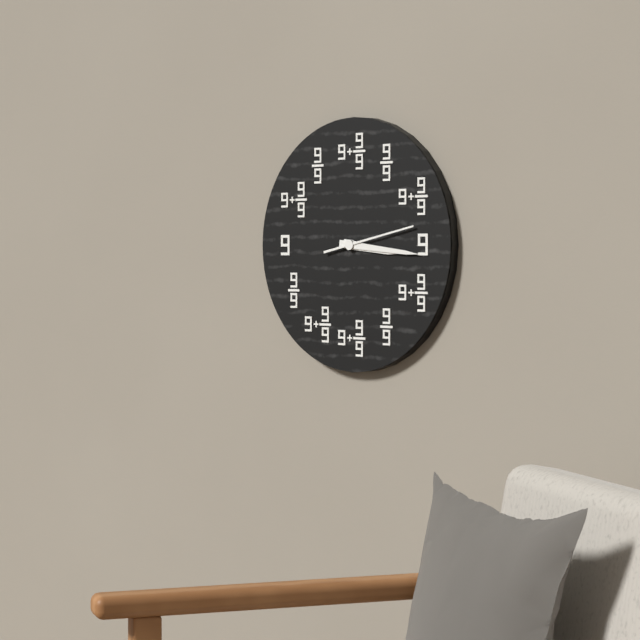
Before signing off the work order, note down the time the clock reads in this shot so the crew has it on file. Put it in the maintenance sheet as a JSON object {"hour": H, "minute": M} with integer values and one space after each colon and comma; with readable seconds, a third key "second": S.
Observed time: {"hour": 3, "minute": 16, "second": 13}
